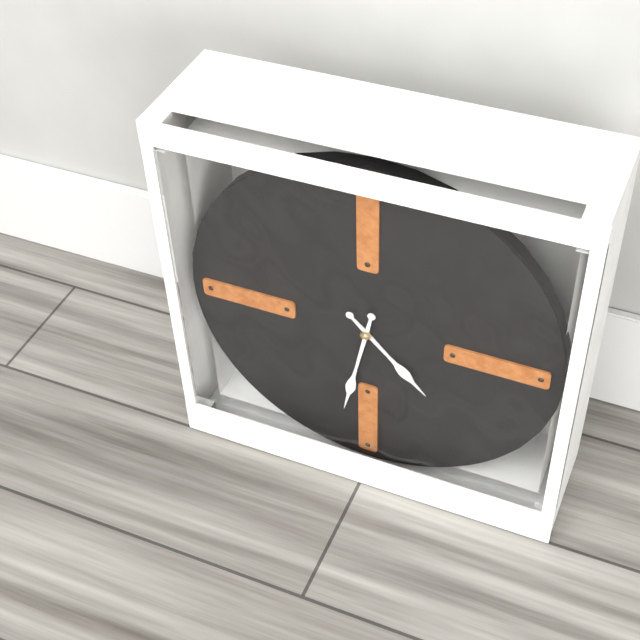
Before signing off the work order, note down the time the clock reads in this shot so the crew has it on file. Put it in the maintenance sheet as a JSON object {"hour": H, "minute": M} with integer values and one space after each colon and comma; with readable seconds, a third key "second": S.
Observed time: {"hour": 4, "minute": 32}
